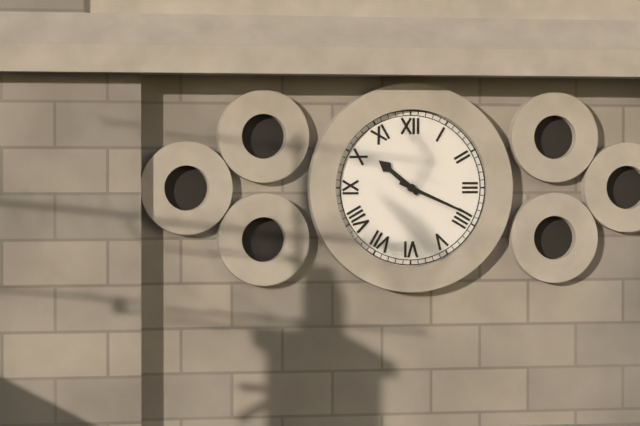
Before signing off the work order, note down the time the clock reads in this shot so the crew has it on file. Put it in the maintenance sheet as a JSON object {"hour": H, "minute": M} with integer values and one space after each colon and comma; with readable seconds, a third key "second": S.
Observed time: {"hour": 10, "minute": 19}
